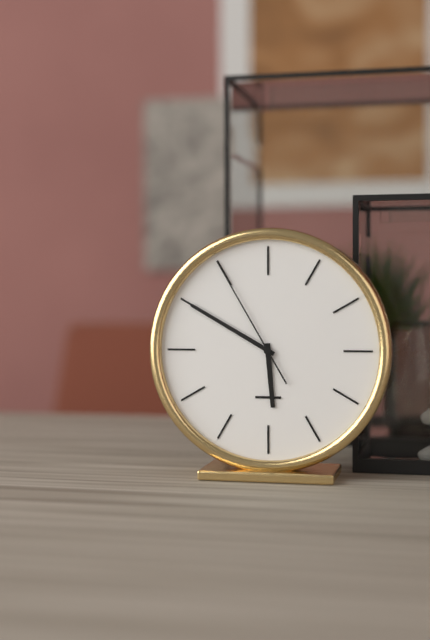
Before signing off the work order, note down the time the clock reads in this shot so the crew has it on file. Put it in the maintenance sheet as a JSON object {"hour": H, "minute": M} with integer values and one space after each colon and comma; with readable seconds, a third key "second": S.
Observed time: {"hour": 5, "minute": 50, "second": 55}
